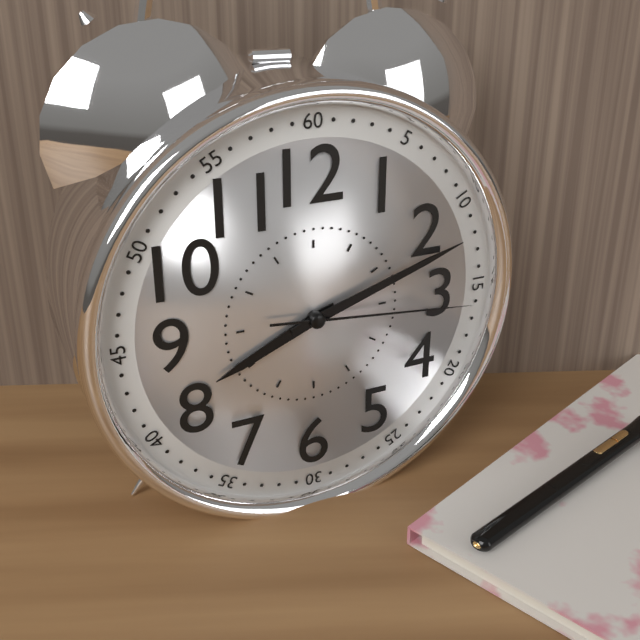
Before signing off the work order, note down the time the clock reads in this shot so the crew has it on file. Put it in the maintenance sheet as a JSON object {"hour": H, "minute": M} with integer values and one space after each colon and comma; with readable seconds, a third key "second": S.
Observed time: {"hour": 8, "minute": 12, "second": 16}
